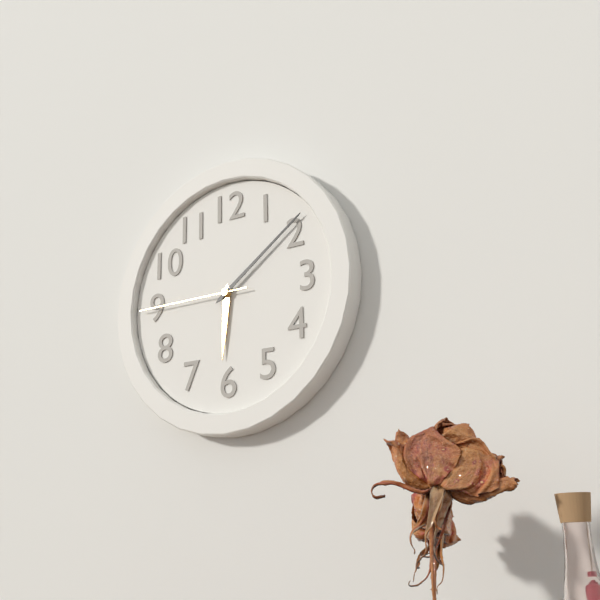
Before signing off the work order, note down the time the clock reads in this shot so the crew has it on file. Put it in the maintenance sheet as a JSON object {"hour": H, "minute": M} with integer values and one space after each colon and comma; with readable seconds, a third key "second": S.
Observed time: {"hour": 6, "minute": 9, "second": 45}
